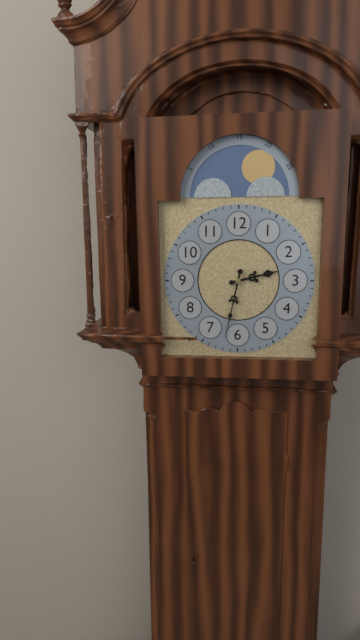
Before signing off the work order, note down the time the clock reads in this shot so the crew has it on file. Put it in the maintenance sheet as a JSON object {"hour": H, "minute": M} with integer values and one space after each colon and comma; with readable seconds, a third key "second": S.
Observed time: {"hour": 2, "minute": 32}
